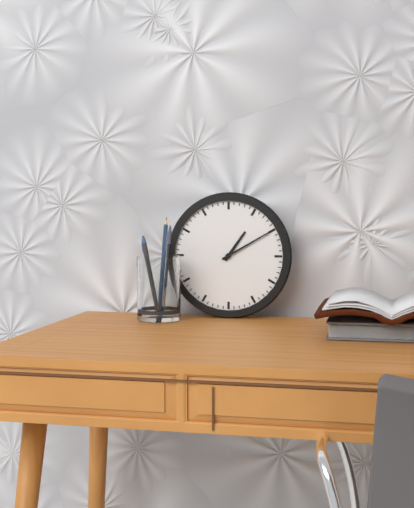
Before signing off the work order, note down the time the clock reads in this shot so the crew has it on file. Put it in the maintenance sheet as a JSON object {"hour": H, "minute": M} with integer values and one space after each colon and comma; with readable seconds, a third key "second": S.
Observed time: {"hour": 1, "minute": 10}
